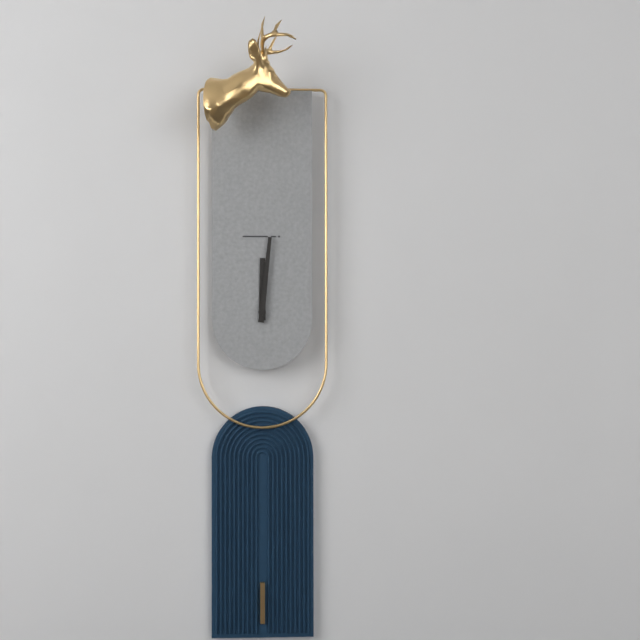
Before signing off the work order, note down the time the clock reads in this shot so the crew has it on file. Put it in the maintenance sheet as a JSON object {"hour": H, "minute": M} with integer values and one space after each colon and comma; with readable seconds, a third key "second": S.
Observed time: {"hour": 12, "minute": 1}
